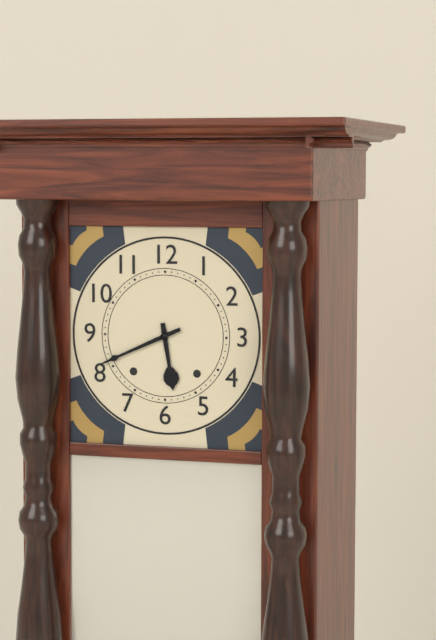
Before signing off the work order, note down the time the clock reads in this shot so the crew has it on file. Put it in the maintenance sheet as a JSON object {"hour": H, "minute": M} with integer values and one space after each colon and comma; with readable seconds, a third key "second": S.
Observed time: {"hour": 5, "minute": 41}
